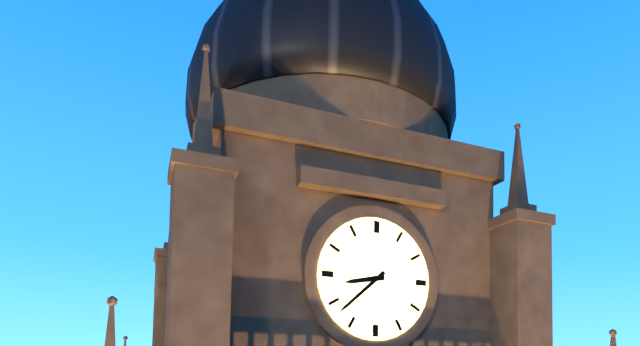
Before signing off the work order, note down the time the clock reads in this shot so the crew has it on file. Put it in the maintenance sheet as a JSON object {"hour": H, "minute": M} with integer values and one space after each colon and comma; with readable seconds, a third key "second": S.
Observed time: {"hour": 8, "minute": 38}
